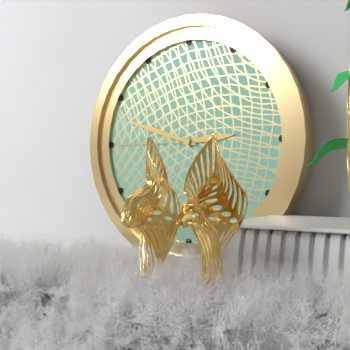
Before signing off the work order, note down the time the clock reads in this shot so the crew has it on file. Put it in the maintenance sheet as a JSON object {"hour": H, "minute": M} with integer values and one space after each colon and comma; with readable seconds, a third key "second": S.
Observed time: {"hour": 2, "minute": 48, "second": 45}
